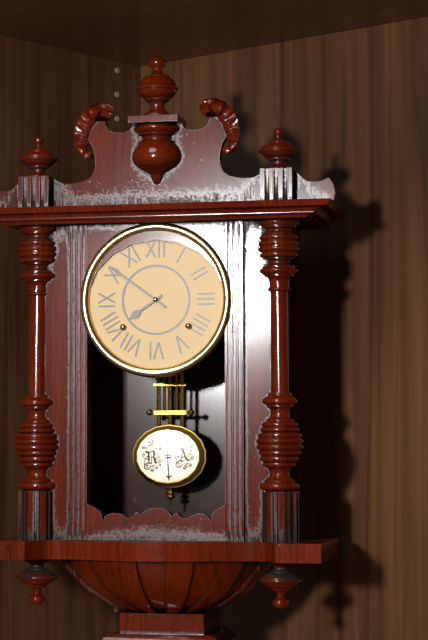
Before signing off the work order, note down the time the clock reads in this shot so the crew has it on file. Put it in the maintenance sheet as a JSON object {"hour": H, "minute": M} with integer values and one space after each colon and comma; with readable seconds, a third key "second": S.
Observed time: {"hour": 7, "minute": 51}
